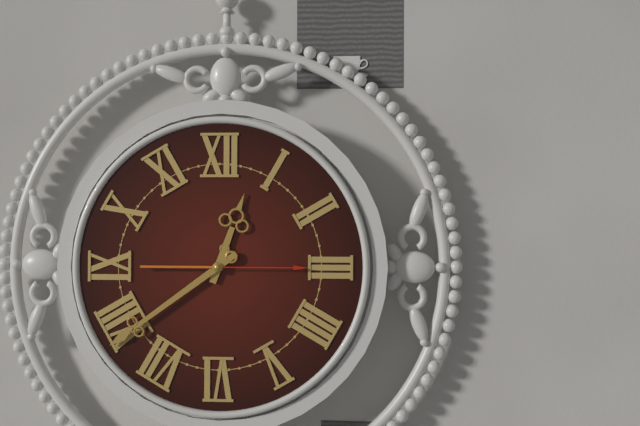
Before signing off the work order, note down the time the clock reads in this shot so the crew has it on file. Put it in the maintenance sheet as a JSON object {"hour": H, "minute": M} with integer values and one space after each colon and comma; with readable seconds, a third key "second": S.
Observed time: {"hour": 12, "minute": 39, "second": 15}
